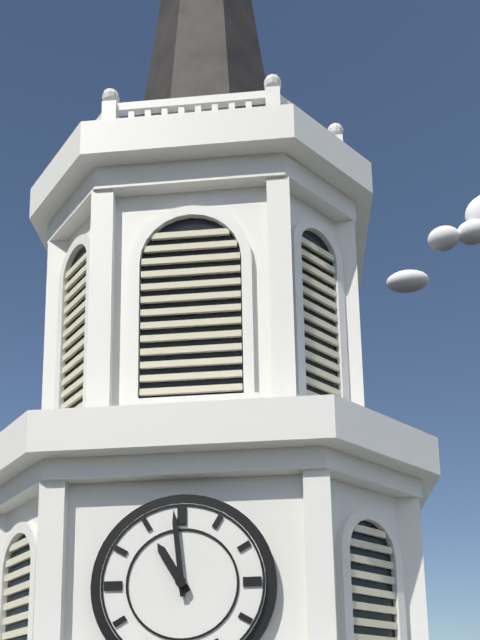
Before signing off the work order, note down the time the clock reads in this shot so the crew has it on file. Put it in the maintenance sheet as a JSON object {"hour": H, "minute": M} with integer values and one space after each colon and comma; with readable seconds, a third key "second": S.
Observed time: {"hour": 10, "minute": 59}
